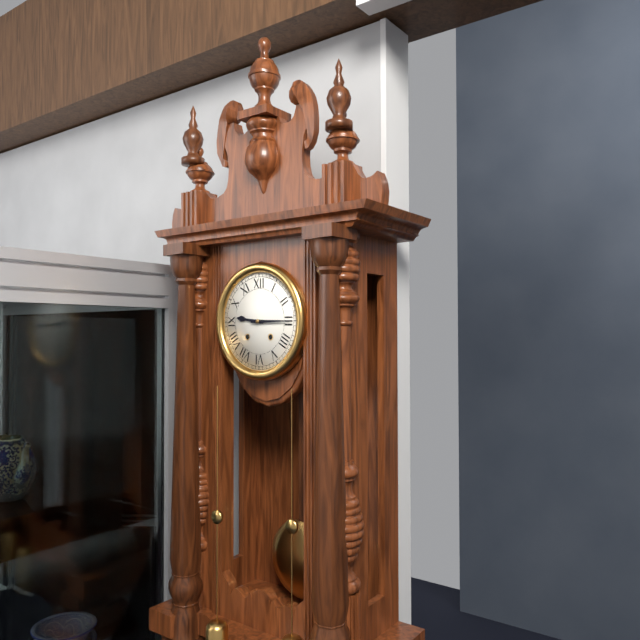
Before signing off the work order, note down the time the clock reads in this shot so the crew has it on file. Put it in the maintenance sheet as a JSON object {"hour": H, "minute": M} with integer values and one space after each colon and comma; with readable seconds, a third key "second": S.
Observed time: {"hour": 9, "minute": 15}
